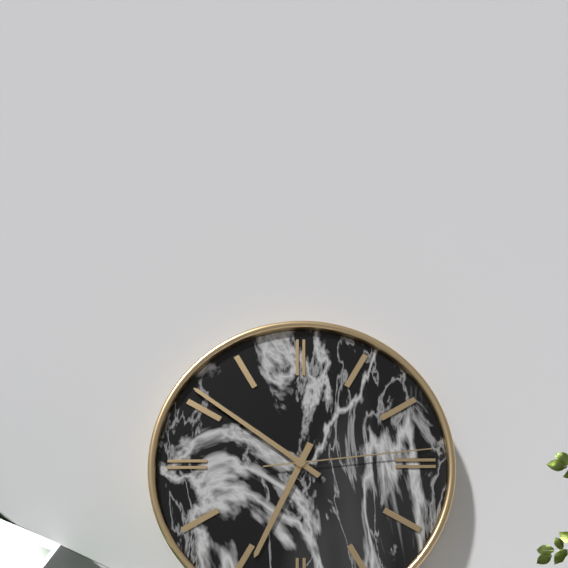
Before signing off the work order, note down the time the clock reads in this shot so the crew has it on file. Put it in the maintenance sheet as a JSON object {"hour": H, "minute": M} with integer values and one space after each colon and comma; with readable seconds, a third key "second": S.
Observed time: {"hour": 6, "minute": 51, "second": 14}
